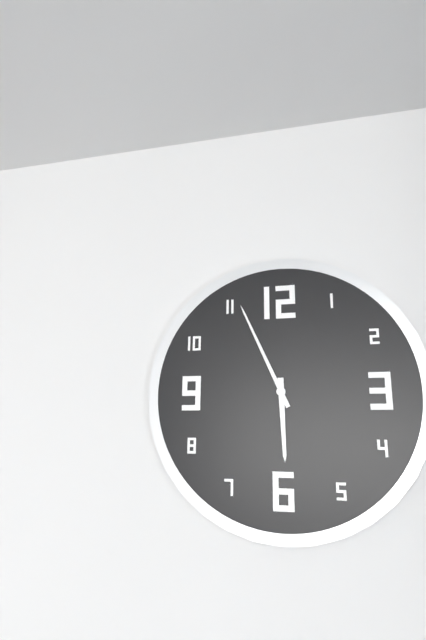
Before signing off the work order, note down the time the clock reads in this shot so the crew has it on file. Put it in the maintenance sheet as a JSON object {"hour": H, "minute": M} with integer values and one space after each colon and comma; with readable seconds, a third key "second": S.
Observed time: {"hour": 5, "minute": 56}
